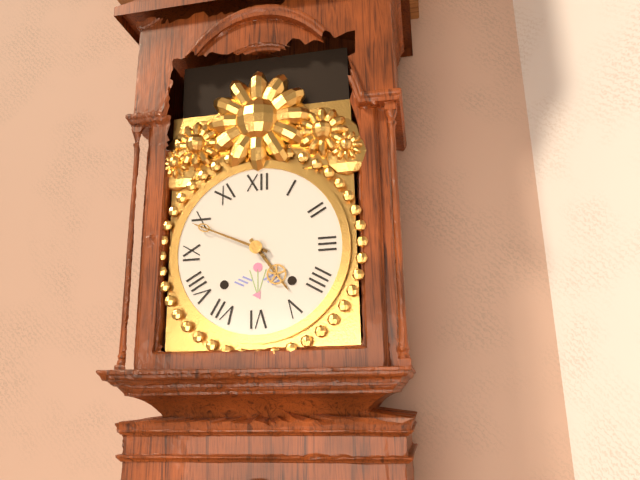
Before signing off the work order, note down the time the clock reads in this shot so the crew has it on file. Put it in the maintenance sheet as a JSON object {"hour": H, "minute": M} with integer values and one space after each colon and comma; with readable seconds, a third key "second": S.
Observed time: {"hour": 4, "minute": 49}
